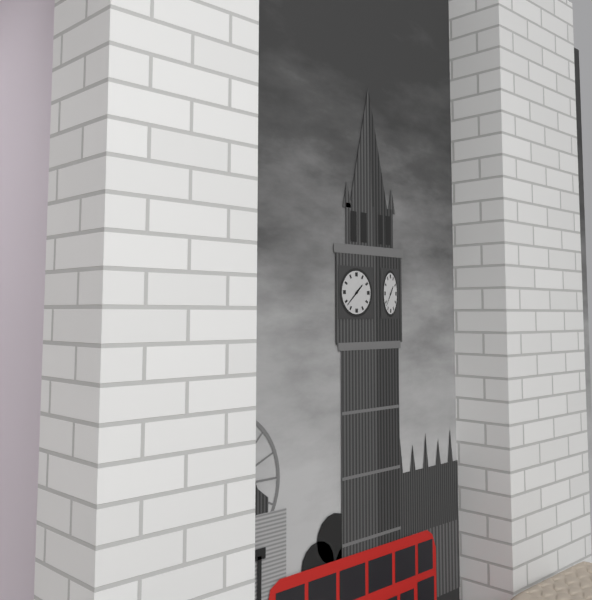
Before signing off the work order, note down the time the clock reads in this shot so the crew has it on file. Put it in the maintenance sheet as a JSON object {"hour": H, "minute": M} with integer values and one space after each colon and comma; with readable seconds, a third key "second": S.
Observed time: {"hour": 1, "minute": 38}
